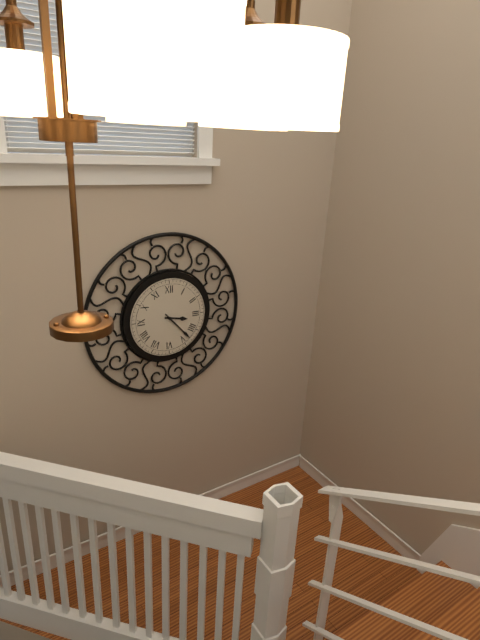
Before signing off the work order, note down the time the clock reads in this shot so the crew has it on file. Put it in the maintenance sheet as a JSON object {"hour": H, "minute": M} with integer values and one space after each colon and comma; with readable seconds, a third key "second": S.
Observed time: {"hour": 3, "minute": 23}
